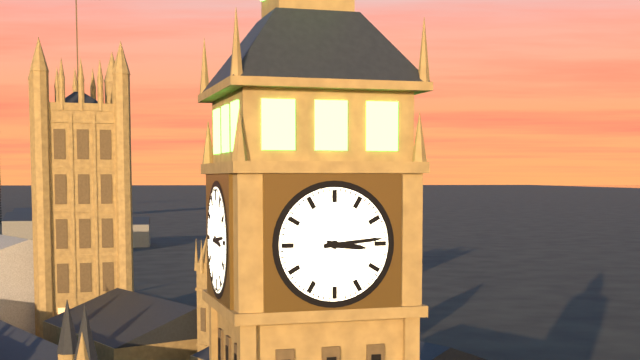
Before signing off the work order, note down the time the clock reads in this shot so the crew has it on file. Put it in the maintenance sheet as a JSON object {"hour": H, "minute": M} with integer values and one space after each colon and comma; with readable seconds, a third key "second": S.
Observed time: {"hour": 3, "minute": 14}
